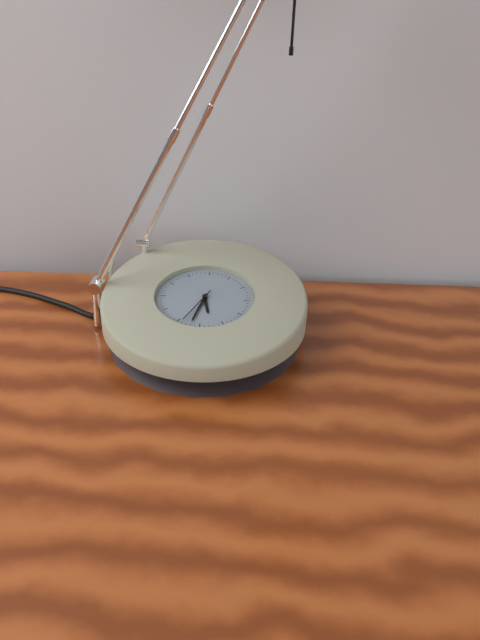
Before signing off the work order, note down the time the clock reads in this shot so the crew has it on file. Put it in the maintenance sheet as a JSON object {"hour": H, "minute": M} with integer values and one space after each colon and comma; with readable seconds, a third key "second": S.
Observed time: {"hour": 5, "minute": 32}
